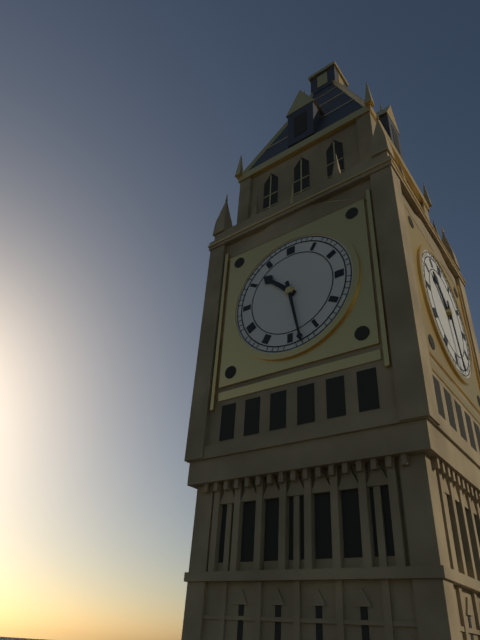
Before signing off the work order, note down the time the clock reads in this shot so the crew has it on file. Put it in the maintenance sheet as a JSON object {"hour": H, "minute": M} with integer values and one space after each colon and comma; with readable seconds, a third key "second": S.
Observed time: {"hour": 10, "minute": 28}
